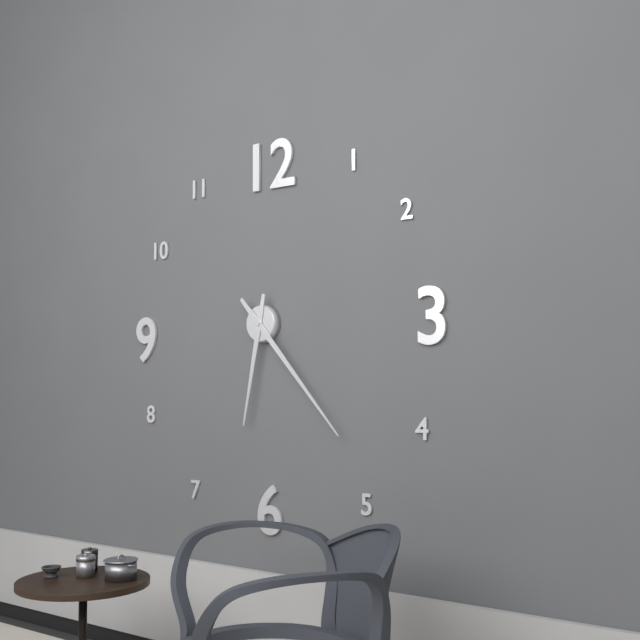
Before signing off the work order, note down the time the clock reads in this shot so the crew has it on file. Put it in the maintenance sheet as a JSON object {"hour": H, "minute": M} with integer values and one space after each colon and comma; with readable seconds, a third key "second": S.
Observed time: {"hour": 6, "minute": 23}
